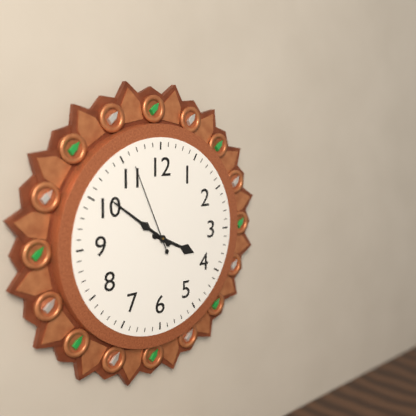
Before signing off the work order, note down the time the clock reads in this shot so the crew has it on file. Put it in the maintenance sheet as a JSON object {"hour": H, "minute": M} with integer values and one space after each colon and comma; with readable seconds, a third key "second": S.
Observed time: {"hour": 3, "minute": 51, "second": 56}
